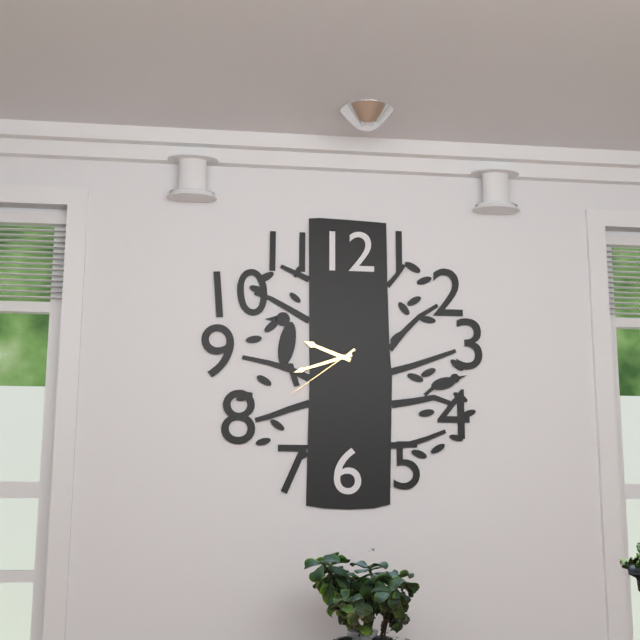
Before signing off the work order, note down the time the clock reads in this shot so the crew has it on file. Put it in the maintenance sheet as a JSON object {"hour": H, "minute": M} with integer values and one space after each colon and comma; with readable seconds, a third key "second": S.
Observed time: {"hour": 9, "minute": 42, "second": 39}
